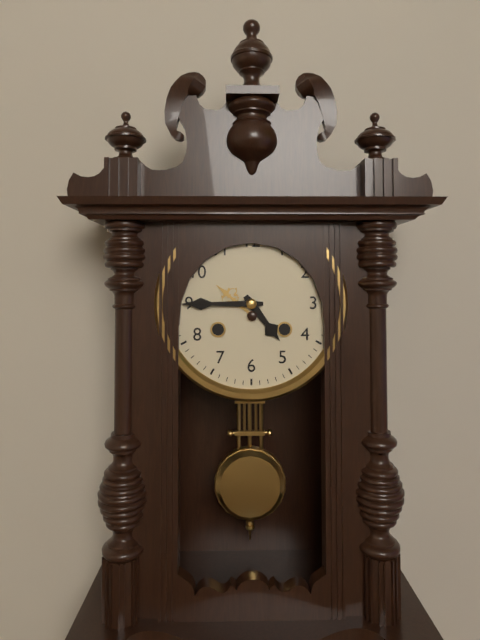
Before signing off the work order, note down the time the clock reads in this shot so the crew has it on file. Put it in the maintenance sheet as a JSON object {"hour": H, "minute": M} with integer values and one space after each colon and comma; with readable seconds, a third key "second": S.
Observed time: {"hour": 4, "minute": 45}
